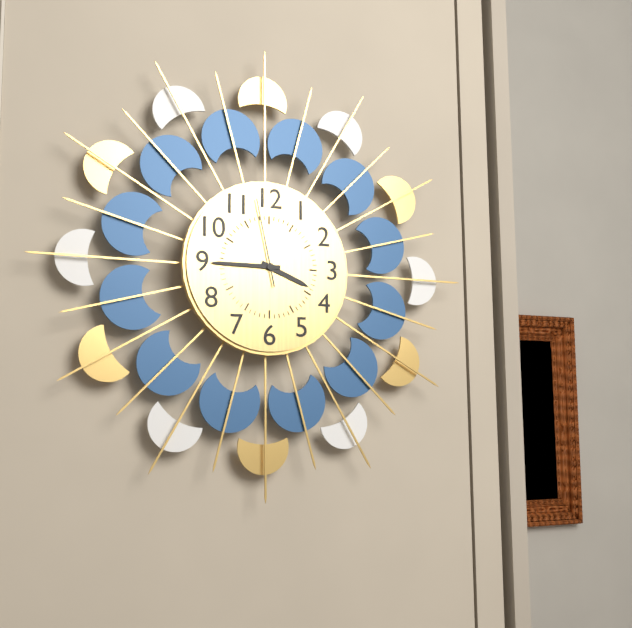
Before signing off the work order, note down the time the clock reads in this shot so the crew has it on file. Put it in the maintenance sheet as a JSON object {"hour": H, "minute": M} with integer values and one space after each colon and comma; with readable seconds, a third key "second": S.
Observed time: {"hour": 3, "minute": 45, "second": 58}
